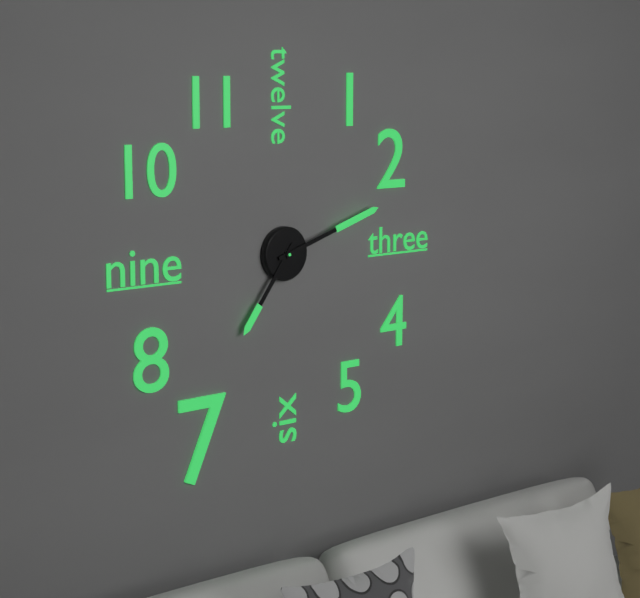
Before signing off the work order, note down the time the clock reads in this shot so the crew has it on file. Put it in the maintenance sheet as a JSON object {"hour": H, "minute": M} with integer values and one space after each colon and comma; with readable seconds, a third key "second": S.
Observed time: {"hour": 7, "minute": 12}
